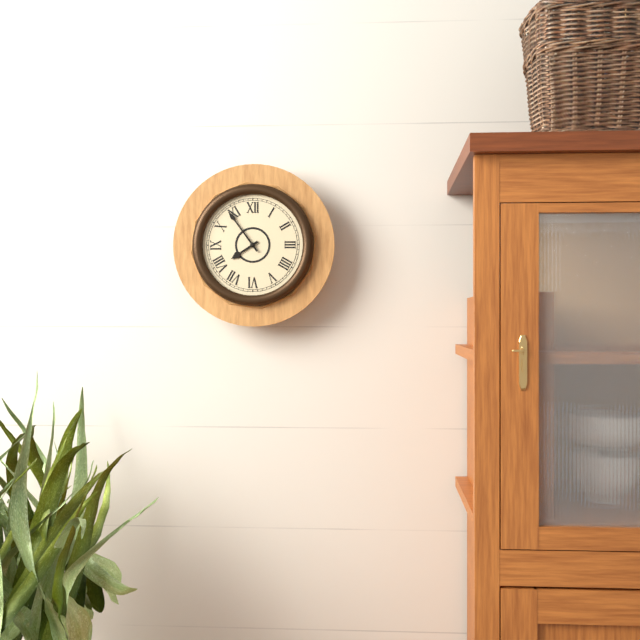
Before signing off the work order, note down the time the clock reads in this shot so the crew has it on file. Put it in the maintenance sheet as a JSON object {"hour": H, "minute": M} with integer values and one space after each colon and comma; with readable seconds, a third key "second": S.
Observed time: {"hour": 7, "minute": 54}
